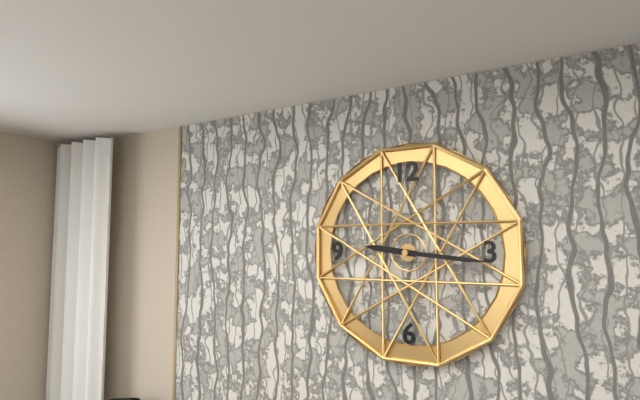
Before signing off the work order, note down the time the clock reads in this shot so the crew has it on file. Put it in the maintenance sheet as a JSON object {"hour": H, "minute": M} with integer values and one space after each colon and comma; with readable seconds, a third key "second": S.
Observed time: {"hour": 9, "minute": 16}
